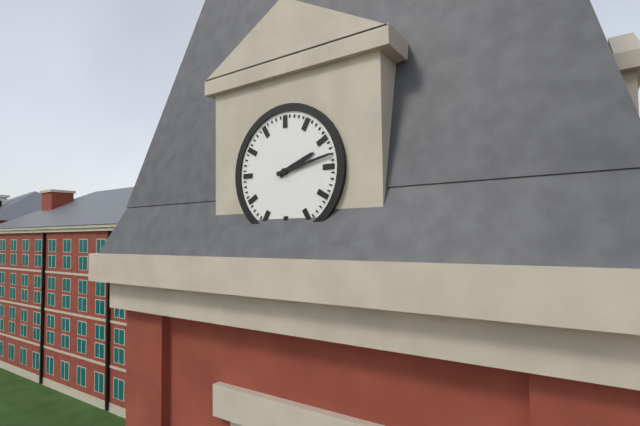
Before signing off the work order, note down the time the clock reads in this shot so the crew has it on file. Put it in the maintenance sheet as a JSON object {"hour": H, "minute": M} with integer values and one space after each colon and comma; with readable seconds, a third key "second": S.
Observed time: {"hour": 2, "minute": 13}
